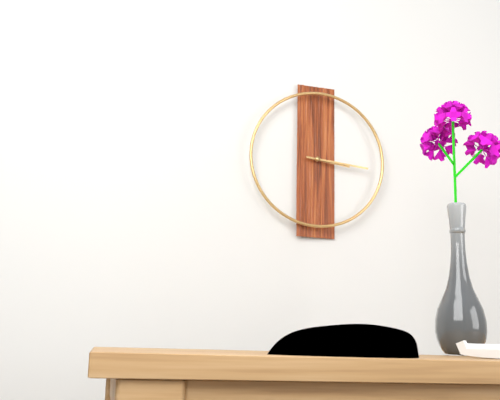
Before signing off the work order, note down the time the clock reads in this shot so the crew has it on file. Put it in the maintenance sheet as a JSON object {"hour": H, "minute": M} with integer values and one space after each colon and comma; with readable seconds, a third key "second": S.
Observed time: {"hour": 3, "minute": 16}
